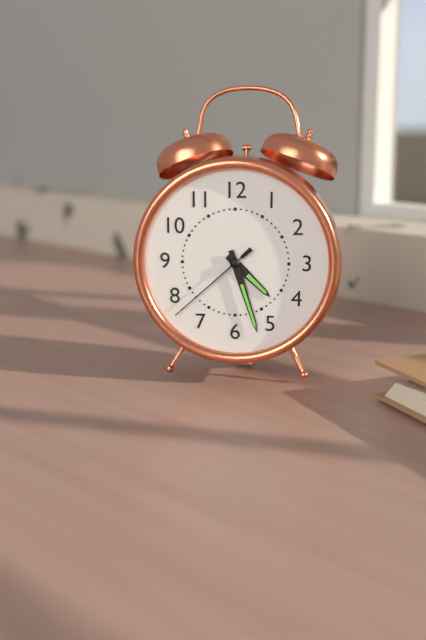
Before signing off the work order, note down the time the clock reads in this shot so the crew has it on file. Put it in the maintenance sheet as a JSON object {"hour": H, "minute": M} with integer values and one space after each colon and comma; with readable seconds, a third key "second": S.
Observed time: {"hour": 4, "minute": 27, "second": 38}
